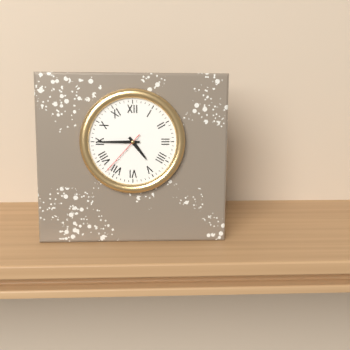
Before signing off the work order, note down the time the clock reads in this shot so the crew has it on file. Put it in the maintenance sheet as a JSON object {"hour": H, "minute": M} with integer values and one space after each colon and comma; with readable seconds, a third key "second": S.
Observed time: {"hour": 4, "minute": 45, "second": 37}
